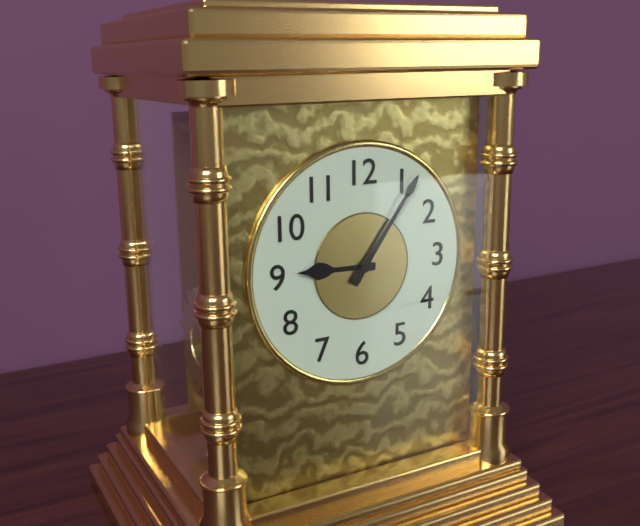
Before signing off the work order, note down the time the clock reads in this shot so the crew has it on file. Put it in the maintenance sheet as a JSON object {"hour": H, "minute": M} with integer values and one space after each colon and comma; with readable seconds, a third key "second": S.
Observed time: {"hour": 9, "minute": 6}
